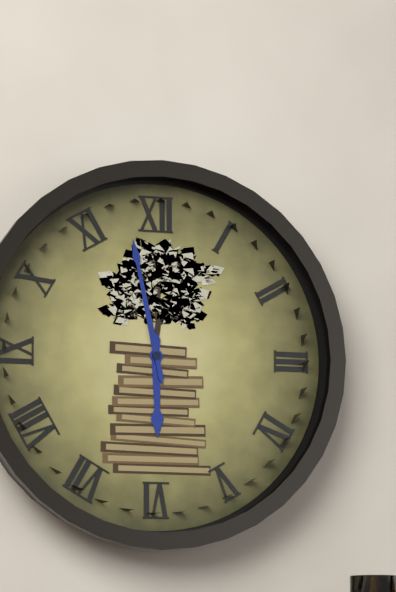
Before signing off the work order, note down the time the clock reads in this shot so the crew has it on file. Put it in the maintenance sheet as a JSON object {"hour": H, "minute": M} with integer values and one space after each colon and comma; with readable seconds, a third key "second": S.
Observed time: {"hour": 5, "minute": 58}
